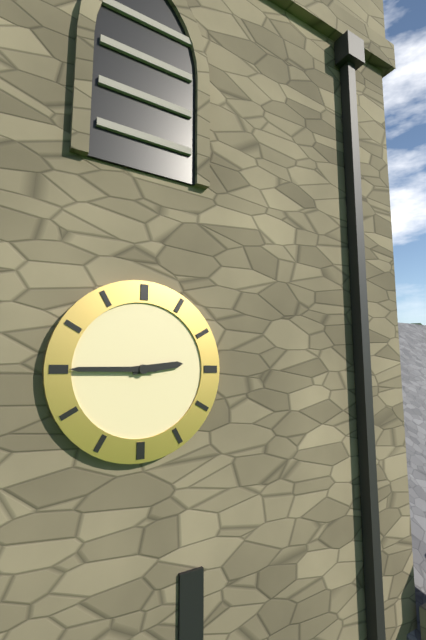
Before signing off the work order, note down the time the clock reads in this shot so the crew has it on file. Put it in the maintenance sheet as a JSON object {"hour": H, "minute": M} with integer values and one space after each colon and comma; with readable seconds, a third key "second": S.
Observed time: {"hour": 2, "minute": 45}
